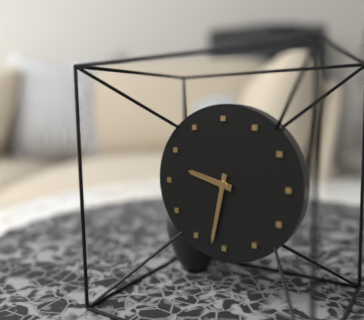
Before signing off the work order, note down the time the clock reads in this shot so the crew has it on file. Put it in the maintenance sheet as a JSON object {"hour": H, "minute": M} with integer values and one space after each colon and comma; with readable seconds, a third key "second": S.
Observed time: {"hour": 9, "minute": 32}
